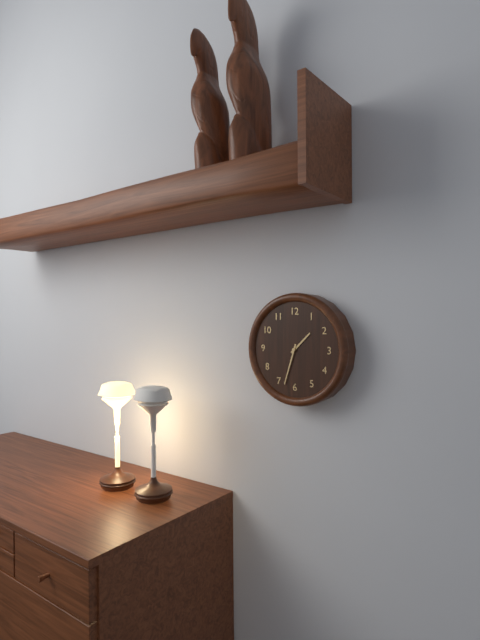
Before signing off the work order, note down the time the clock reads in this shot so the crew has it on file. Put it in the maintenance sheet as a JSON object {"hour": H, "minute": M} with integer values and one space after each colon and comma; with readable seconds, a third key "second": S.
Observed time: {"hour": 1, "minute": 33}
